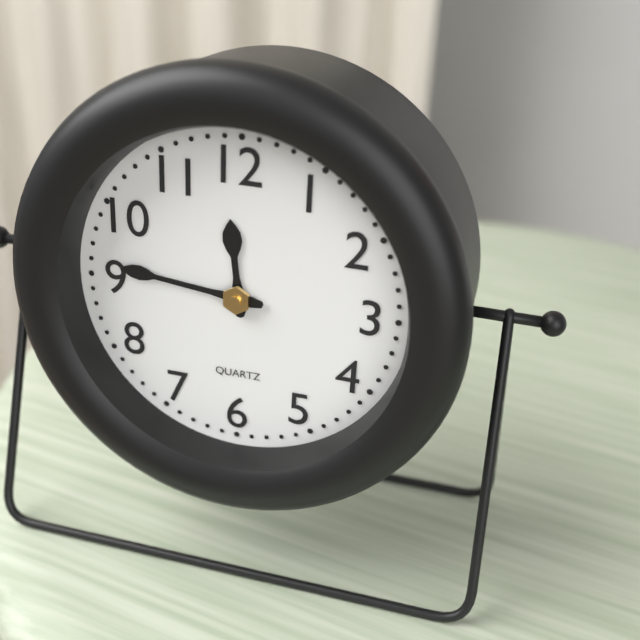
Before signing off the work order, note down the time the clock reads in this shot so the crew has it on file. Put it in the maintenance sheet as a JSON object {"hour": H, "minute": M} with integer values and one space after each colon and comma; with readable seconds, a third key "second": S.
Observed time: {"hour": 11, "minute": 46}
